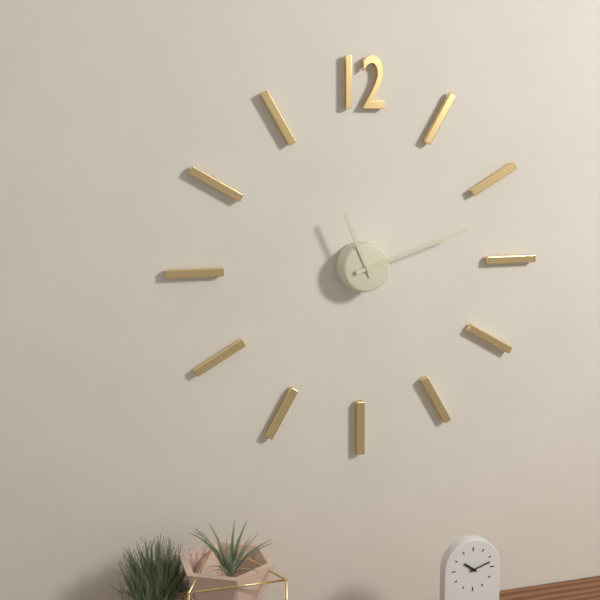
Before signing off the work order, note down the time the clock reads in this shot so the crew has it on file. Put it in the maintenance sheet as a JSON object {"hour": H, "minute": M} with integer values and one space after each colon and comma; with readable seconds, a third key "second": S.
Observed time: {"hour": 11, "minute": 12}
